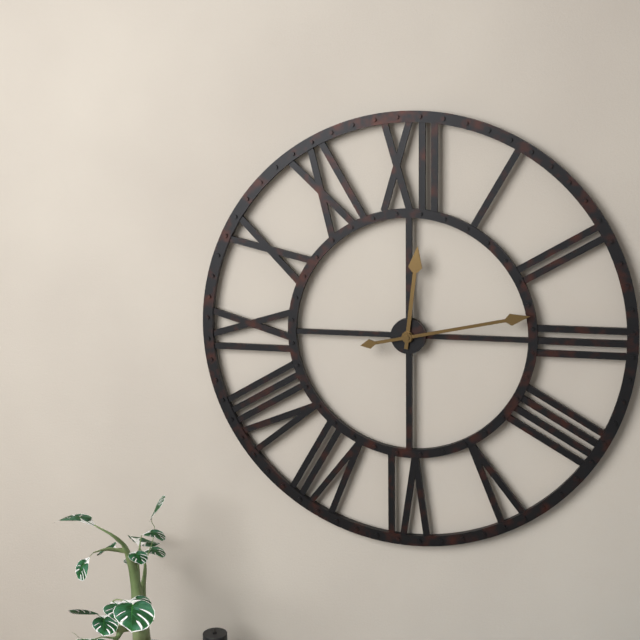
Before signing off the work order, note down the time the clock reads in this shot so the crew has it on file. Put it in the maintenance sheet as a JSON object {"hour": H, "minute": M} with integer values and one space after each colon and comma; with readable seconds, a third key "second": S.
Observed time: {"hour": 12, "minute": 13}
